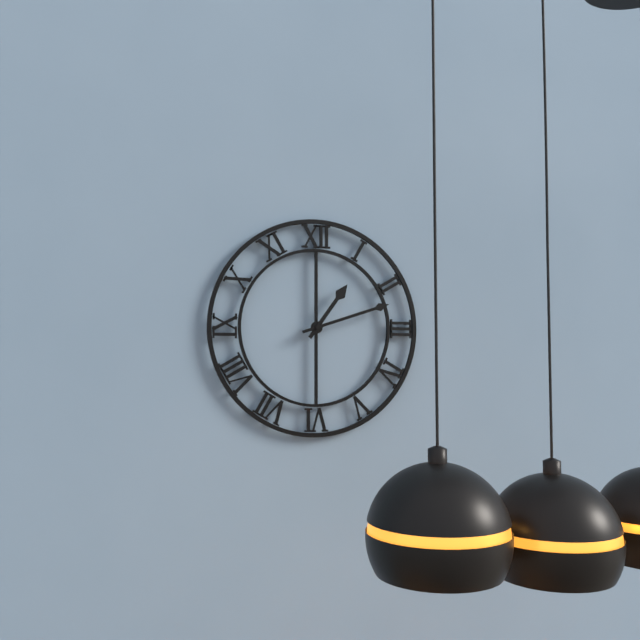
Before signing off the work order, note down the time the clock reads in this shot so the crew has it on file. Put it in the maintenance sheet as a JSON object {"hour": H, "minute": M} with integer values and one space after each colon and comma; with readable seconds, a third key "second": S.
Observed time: {"hour": 1, "minute": 12}
